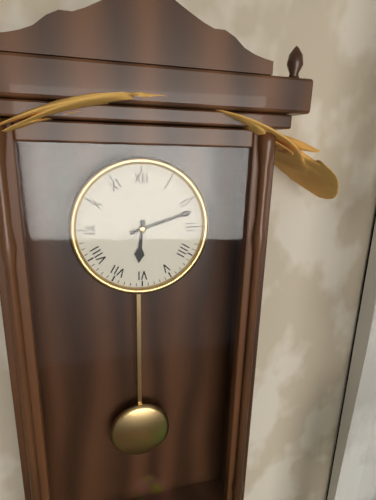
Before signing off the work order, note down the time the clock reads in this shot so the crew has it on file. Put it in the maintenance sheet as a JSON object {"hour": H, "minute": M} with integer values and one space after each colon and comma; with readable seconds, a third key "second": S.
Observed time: {"hour": 6, "minute": 12}
